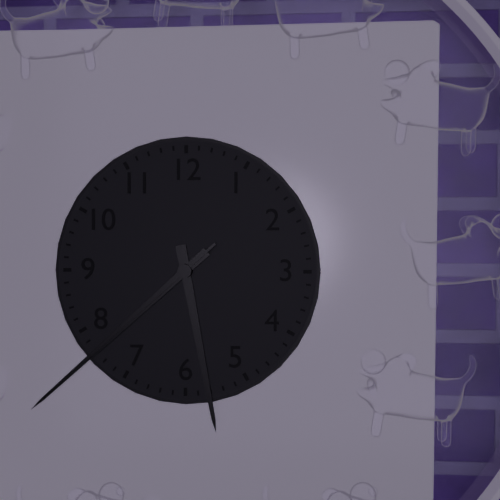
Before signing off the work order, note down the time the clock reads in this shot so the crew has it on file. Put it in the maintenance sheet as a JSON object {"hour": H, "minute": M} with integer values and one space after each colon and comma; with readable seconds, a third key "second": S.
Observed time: {"hour": 5, "minute": 38, "second": 38}
